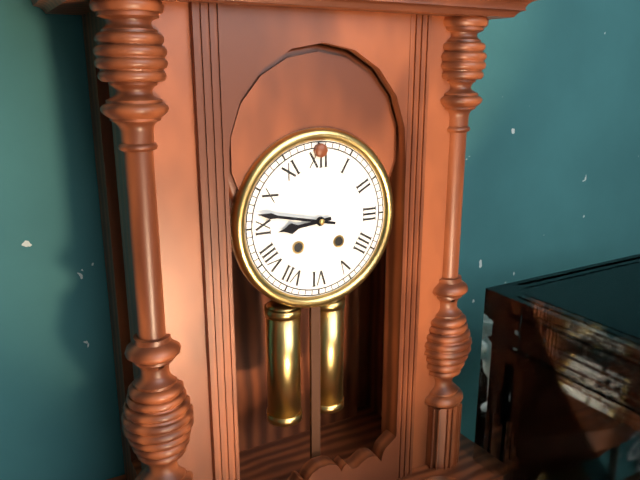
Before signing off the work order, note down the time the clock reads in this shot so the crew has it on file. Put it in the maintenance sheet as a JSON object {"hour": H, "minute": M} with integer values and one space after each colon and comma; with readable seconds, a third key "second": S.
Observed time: {"hour": 8, "minute": 47}
